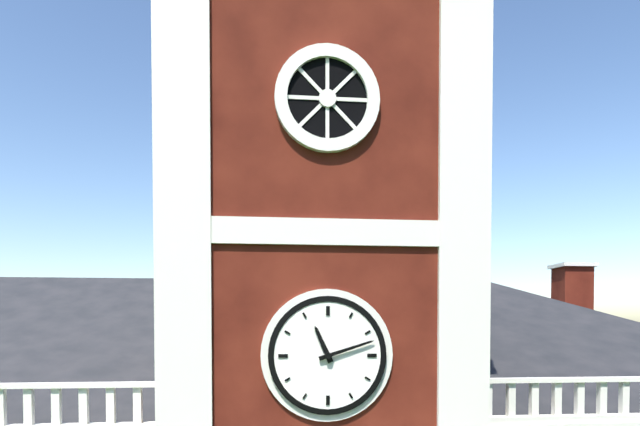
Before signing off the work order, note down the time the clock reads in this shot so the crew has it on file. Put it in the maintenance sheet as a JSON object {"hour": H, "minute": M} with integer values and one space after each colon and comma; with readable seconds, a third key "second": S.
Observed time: {"hour": 11, "minute": 12}
